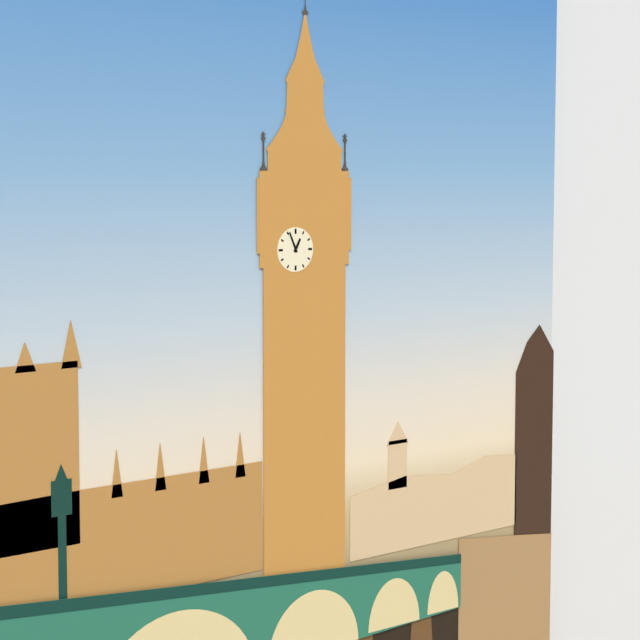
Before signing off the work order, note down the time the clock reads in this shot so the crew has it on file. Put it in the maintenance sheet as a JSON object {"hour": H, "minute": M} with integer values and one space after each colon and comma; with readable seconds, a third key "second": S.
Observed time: {"hour": 12, "minute": 56}
